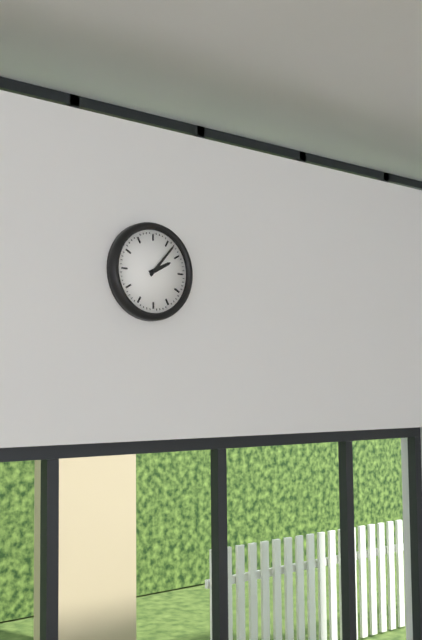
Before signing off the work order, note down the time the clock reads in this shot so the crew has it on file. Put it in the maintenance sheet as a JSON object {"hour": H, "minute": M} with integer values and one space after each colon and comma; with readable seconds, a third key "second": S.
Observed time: {"hour": 2, "minute": 7}
